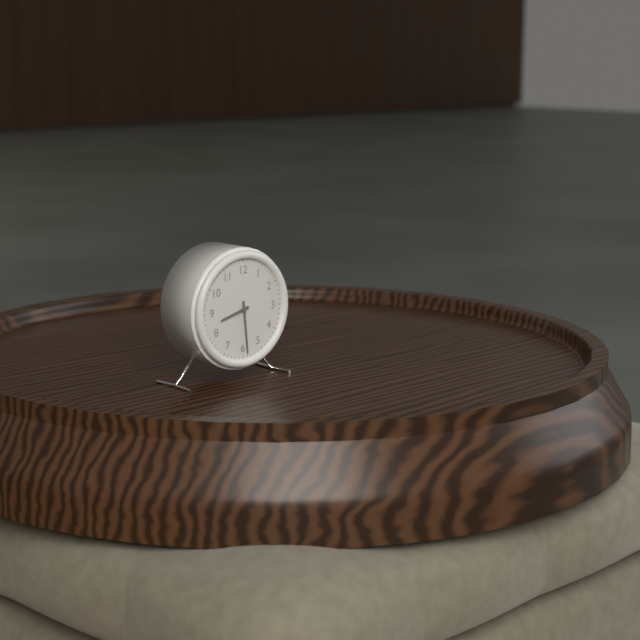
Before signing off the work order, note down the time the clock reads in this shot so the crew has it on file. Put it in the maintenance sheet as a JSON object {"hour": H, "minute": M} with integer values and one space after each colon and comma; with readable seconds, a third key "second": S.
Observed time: {"hour": 8, "minute": 29}
